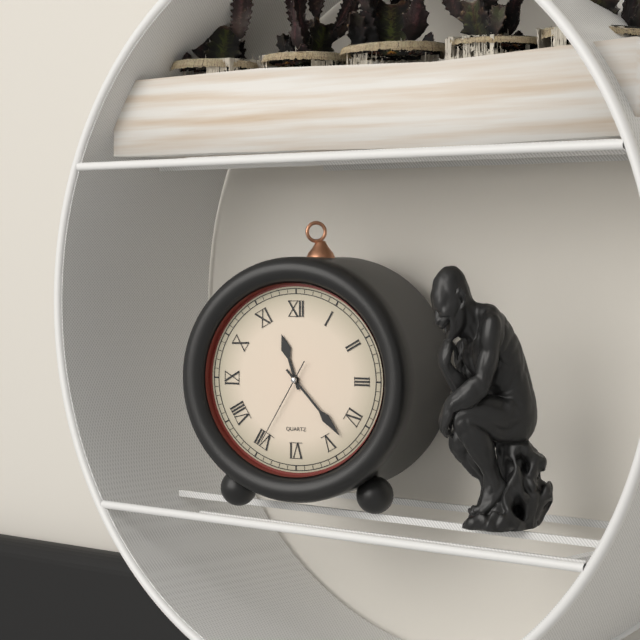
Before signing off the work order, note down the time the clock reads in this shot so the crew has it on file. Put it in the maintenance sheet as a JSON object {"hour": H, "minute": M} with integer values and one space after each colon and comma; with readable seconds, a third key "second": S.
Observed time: {"hour": 11, "minute": 23, "second": 35}
